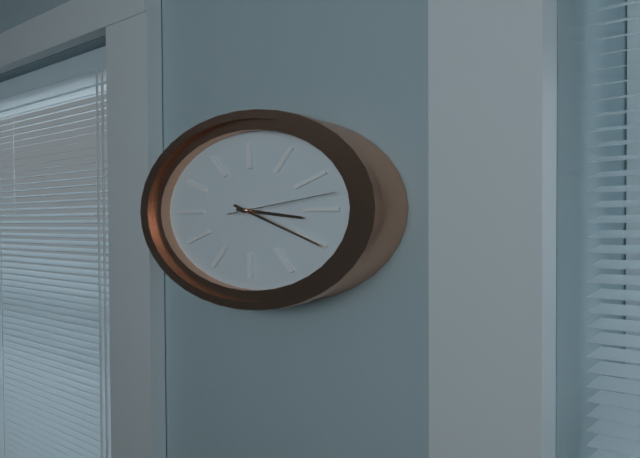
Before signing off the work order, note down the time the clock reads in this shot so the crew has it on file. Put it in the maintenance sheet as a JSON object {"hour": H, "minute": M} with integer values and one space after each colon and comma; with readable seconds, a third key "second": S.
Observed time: {"hour": 3, "minute": 20, "second": 13}
